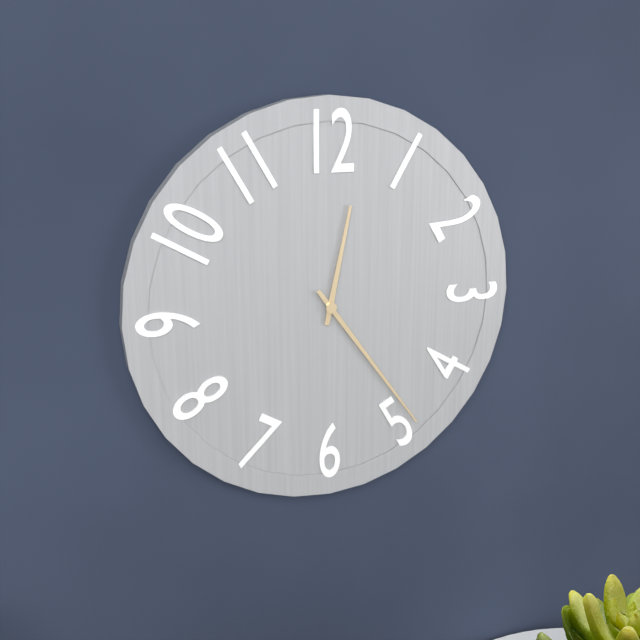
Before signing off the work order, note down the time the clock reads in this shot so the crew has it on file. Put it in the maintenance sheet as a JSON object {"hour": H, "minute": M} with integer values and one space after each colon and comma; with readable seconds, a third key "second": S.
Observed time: {"hour": 12, "minute": 24}
